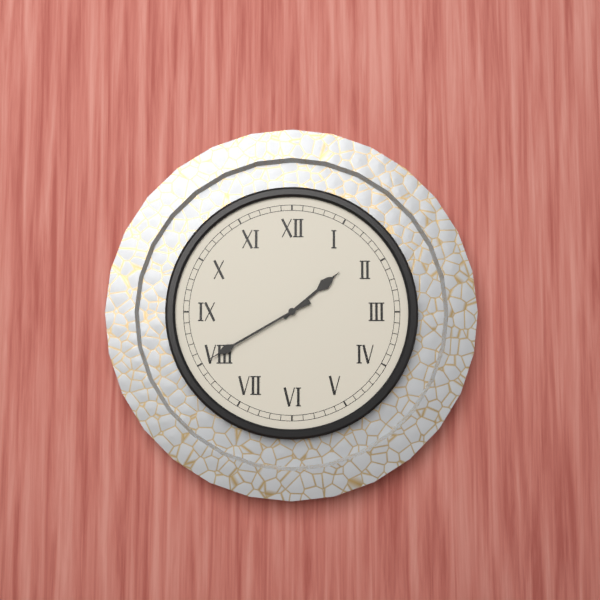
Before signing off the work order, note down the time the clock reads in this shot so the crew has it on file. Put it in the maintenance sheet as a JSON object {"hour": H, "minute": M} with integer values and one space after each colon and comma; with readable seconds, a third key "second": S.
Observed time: {"hour": 1, "minute": 40}
